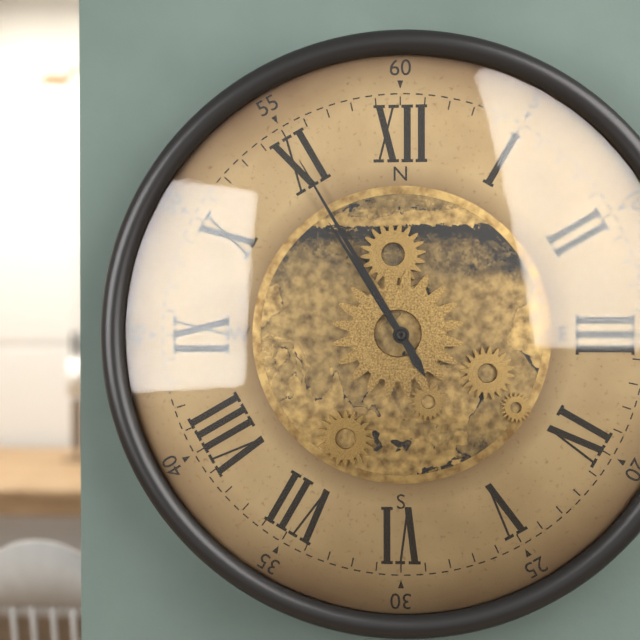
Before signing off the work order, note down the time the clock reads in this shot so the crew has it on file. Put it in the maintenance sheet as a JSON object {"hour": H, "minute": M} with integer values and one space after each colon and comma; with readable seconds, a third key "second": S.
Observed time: {"hour": 10, "minute": 55}
